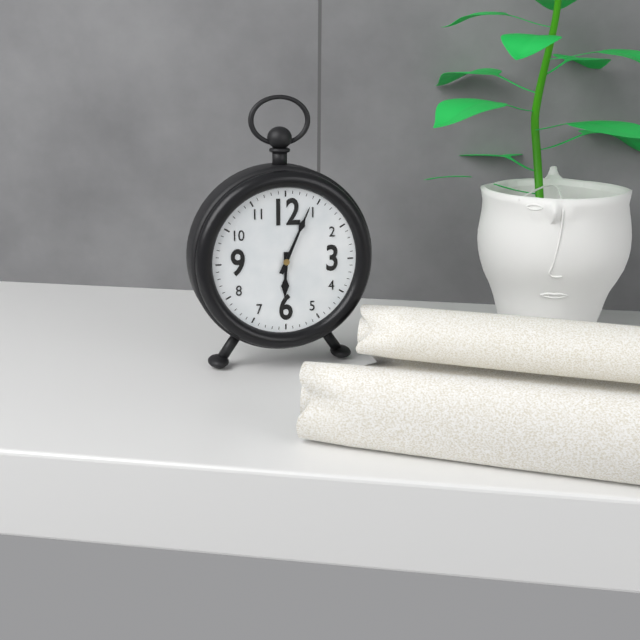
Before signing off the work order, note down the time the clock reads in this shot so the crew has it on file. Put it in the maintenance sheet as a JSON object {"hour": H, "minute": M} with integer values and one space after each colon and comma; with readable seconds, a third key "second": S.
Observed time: {"hour": 6, "minute": 4}
